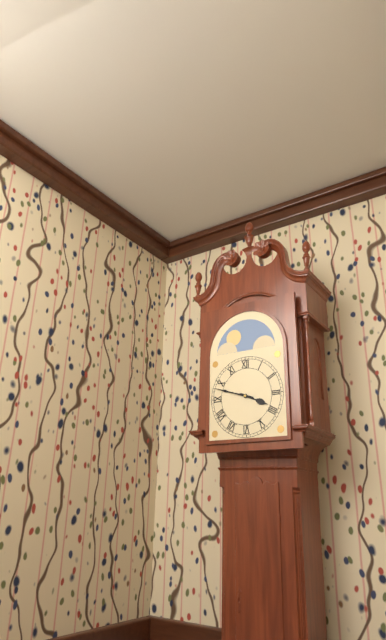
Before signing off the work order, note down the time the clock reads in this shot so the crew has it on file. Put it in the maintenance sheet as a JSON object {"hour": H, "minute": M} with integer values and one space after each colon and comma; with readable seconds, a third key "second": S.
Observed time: {"hour": 3, "minute": 48}
